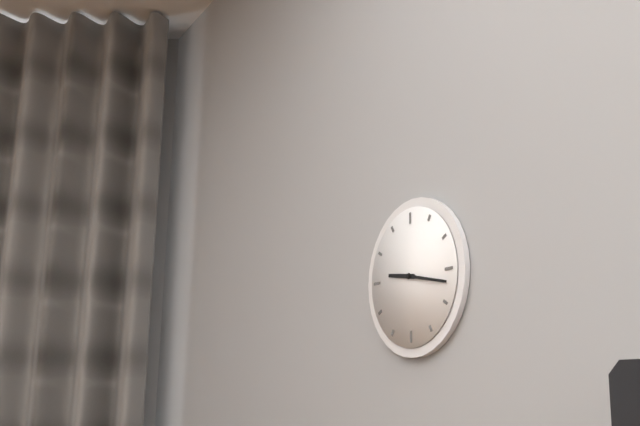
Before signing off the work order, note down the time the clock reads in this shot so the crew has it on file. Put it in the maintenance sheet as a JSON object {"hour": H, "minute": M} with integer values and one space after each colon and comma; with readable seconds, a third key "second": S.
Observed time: {"hour": 9, "minute": 17}
